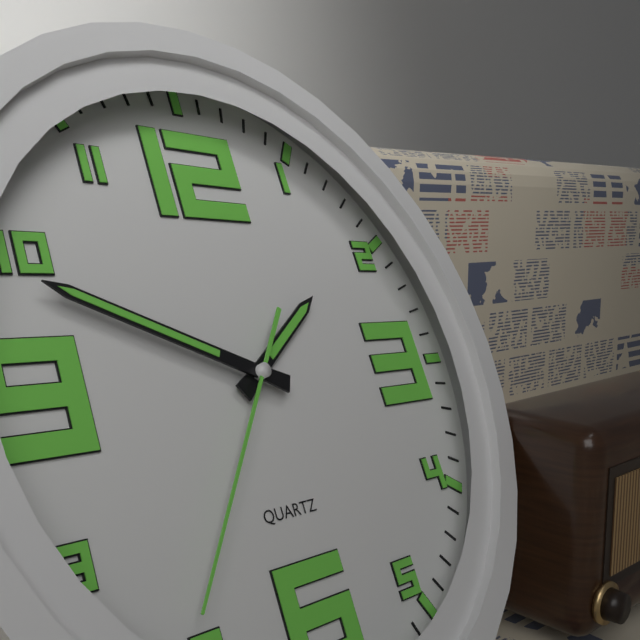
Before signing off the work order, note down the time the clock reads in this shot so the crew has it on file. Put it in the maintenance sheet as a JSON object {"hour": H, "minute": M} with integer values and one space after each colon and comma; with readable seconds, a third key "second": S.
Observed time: {"hour": 1, "minute": 49, "second": 36}
